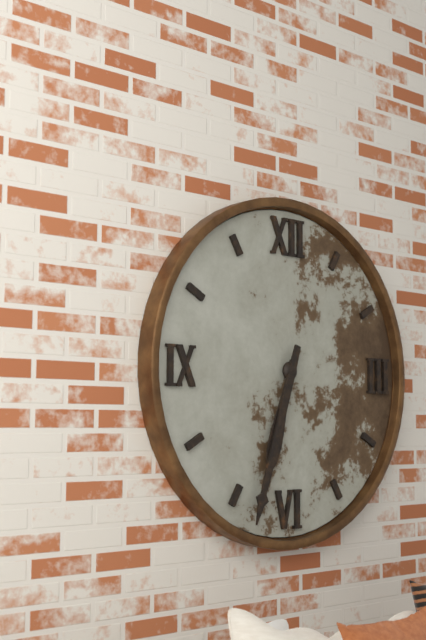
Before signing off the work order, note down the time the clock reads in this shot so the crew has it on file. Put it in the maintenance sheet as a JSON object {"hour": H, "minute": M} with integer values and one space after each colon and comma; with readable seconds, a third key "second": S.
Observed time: {"hour": 6, "minute": 33}
